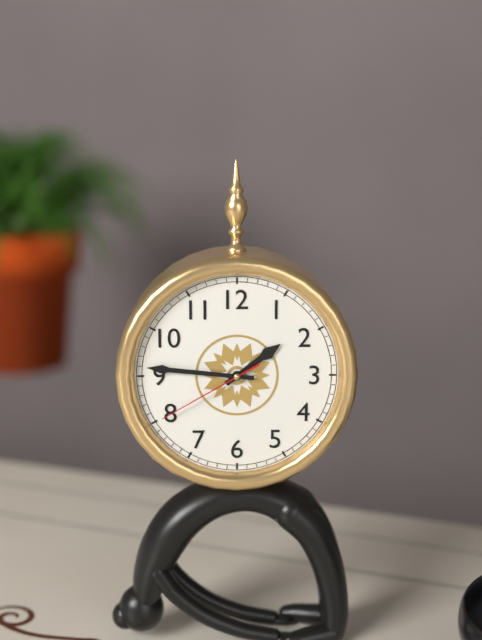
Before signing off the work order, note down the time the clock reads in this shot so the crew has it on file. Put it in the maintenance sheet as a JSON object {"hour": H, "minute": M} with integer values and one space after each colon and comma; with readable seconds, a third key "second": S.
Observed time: {"hour": 1, "minute": 46, "second": 40}
